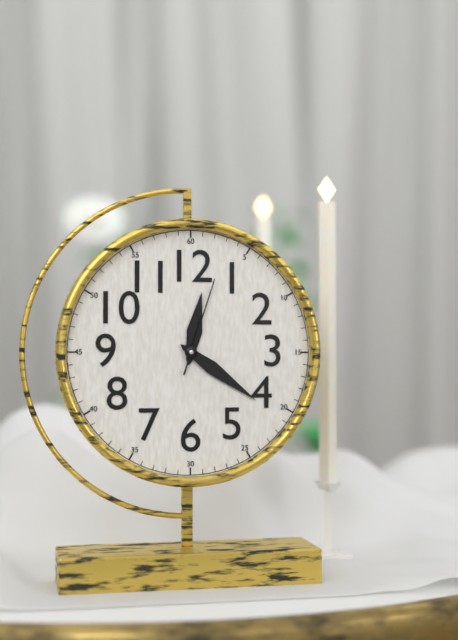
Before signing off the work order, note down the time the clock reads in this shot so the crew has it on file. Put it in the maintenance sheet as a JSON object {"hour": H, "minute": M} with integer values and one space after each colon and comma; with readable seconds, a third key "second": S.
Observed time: {"hour": 12, "minute": 21, "second": 3}
